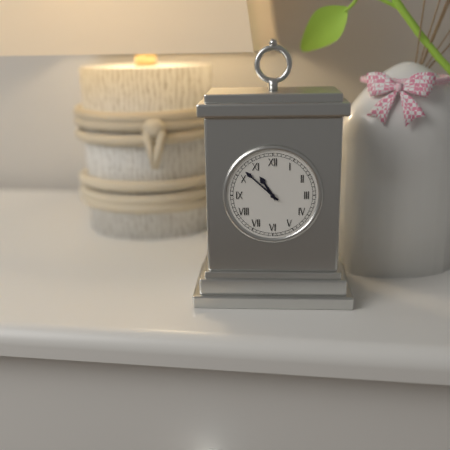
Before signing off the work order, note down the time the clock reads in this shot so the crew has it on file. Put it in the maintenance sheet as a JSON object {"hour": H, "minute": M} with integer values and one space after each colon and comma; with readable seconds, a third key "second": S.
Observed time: {"hour": 10, "minute": 52}
